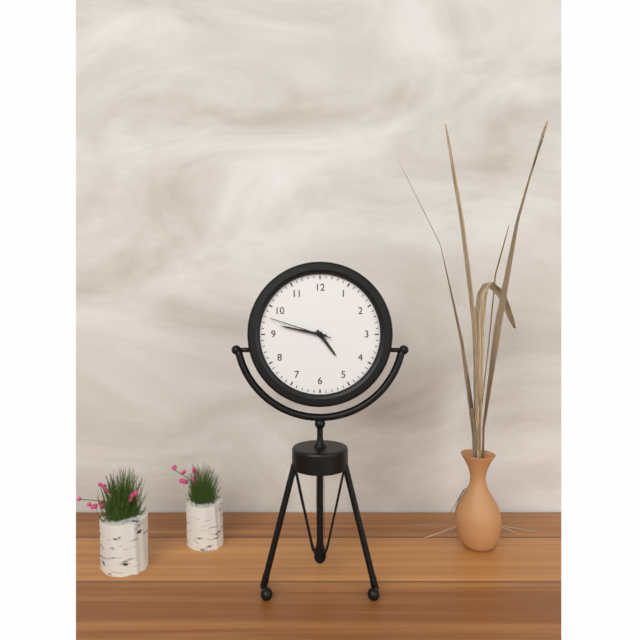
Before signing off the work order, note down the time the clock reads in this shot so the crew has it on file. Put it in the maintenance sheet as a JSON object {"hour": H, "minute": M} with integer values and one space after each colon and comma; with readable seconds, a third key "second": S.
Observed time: {"hour": 4, "minute": 47, "second": 48}
